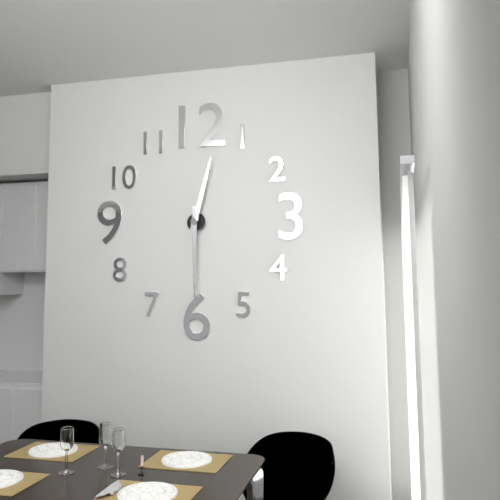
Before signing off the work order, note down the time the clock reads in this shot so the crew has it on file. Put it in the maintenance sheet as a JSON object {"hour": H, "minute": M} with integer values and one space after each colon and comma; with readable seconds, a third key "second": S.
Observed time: {"hour": 12, "minute": 30}
